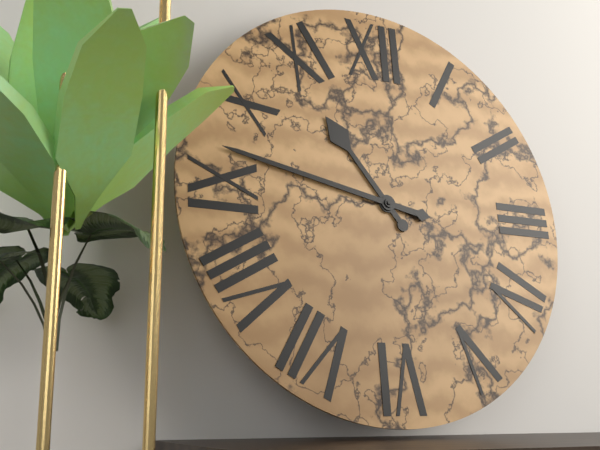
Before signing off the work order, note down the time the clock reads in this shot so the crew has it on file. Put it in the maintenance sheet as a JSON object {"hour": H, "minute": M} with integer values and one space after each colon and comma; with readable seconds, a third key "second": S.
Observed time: {"hour": 10, "minute": 47}
